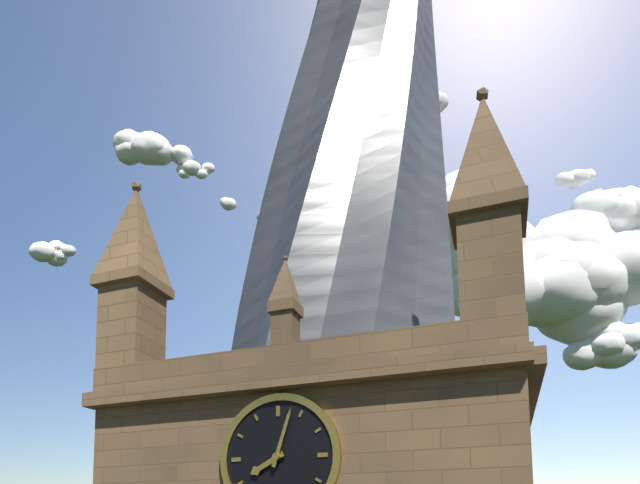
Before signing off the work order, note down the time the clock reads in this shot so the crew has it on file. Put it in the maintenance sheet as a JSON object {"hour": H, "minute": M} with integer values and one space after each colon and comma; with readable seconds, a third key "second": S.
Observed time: {"hour": 8, "minute": 3}
